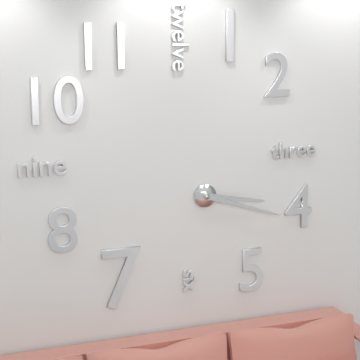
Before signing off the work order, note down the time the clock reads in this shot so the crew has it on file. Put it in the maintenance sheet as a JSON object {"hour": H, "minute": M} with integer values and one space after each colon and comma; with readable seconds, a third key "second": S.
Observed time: {"hour": 3, "minute": 18}
